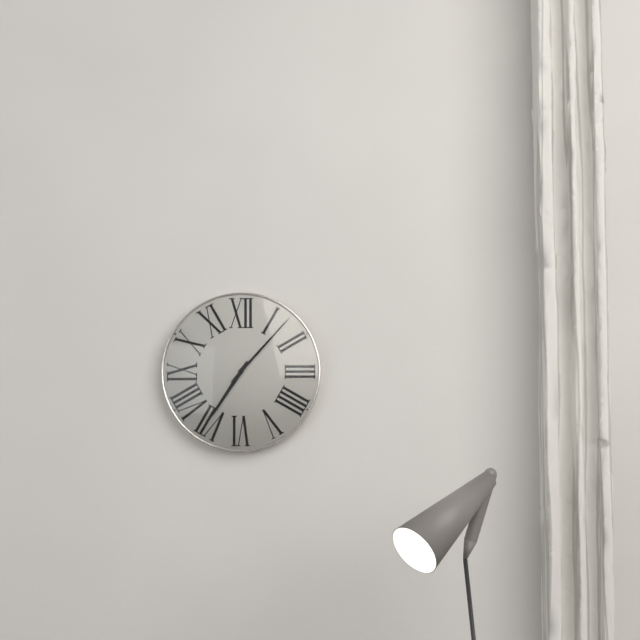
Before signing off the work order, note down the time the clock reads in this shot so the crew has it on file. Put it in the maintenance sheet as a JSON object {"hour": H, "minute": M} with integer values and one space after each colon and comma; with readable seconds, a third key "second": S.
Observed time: {"hour": 7, "minute": 7}
